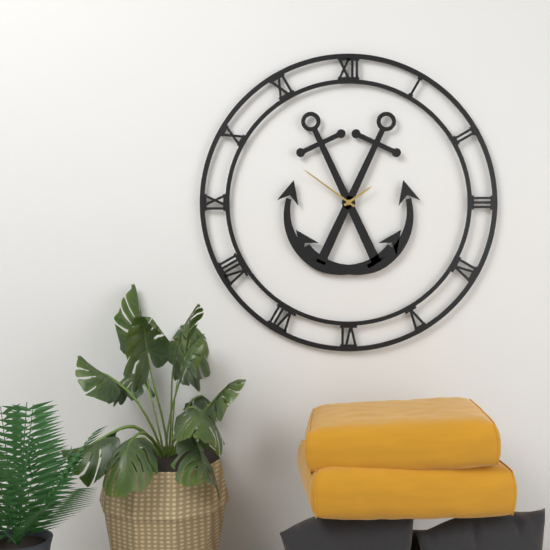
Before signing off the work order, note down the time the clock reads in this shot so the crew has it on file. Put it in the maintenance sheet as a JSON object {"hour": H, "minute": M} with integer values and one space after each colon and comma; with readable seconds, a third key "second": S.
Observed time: {"hour": 1, "minute": 51}
